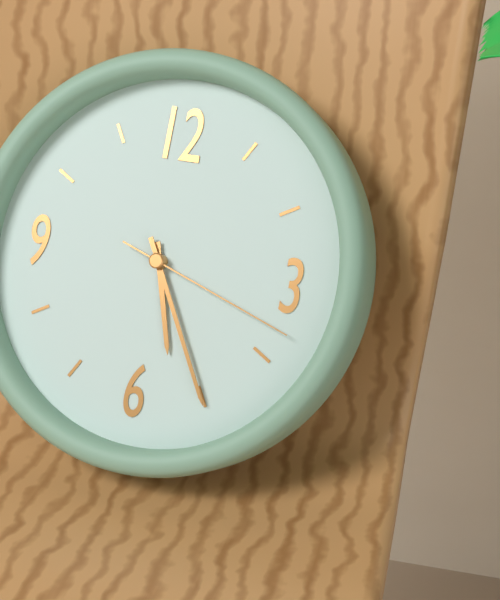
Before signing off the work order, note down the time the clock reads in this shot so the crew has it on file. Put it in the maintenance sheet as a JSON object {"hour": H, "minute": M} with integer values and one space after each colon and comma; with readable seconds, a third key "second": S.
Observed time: {"hour": 5, "minute": 25, "second": 18}
